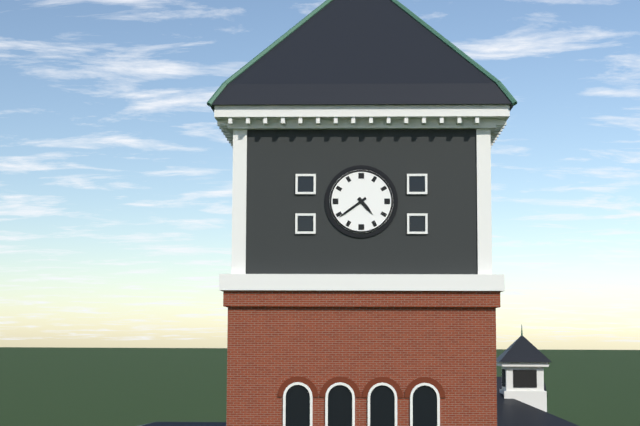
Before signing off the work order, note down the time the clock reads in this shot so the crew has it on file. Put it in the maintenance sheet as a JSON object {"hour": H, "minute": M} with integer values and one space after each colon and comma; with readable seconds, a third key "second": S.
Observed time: {"hour": 4, "minute": 39}
